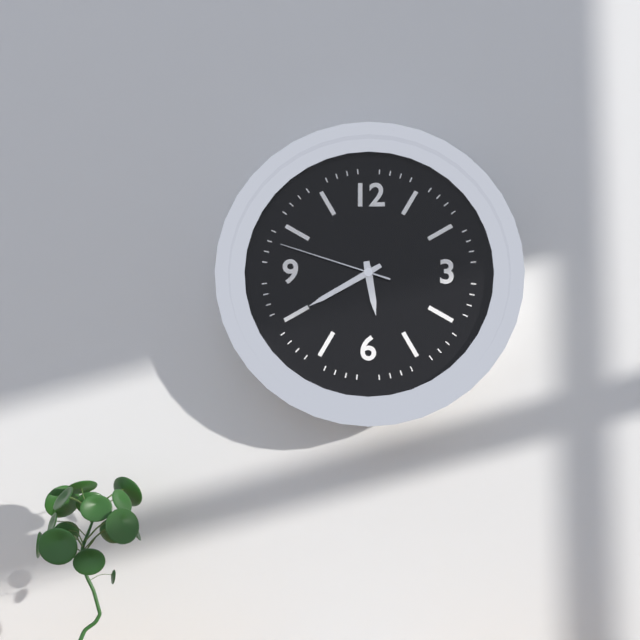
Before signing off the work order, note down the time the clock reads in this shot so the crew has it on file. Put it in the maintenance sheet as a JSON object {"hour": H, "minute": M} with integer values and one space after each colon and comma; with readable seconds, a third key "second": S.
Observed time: {"hour": 5, "minute": 40, "second": 48}
